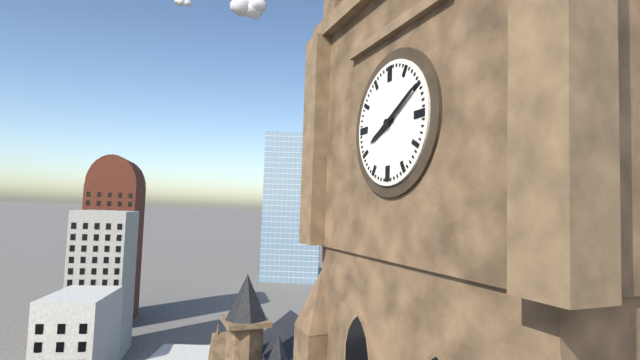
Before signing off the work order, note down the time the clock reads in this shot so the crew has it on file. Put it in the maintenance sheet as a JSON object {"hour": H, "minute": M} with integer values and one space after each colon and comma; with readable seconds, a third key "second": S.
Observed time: {"hour": 8, "minute": 10}
